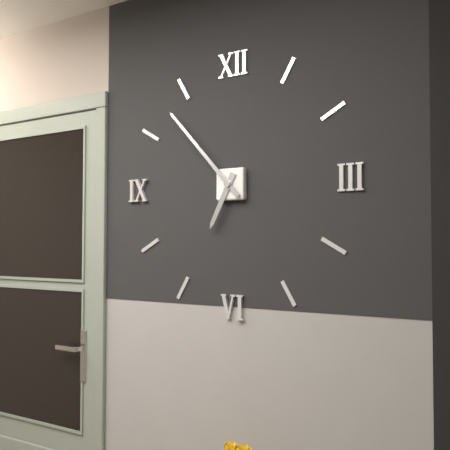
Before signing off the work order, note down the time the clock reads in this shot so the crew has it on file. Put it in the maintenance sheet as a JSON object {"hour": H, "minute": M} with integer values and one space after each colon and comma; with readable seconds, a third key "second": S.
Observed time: {"hour": 6, "minute": 53}
